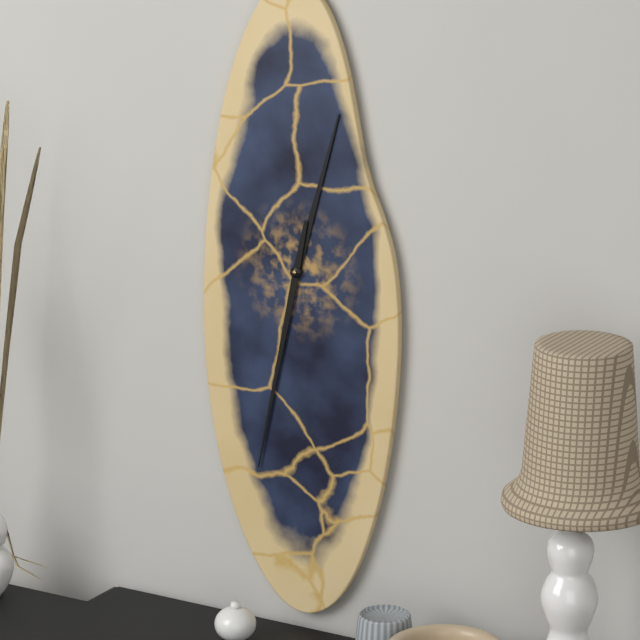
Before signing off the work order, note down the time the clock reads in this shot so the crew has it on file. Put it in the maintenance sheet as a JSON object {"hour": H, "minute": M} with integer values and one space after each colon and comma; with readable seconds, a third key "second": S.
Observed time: {"hour": 12, "minute": 32}
